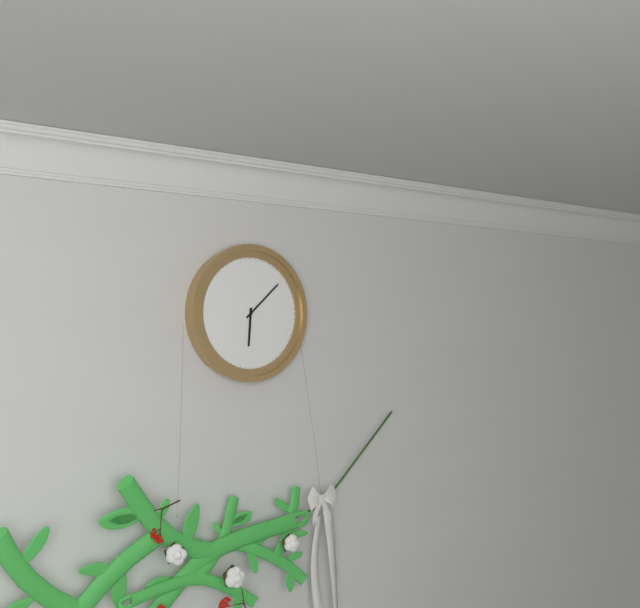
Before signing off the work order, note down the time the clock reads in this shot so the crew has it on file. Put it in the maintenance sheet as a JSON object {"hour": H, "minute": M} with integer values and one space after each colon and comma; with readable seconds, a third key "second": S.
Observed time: {"hour": 6, "minute": 8}
